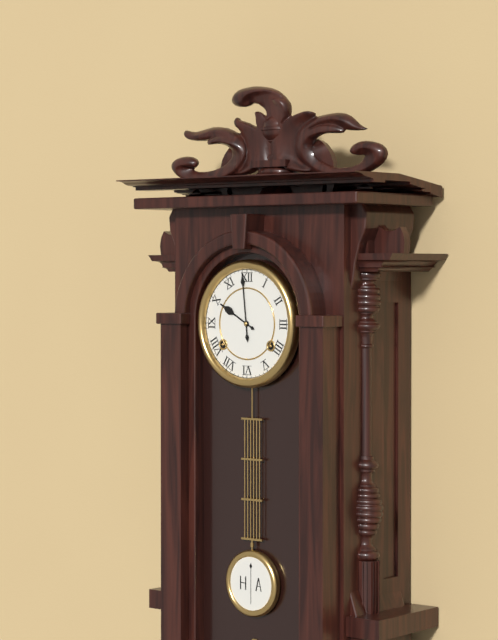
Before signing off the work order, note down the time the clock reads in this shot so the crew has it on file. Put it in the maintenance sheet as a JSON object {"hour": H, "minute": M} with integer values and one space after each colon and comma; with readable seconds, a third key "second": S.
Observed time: {"hour": 9, "minute": 59}
